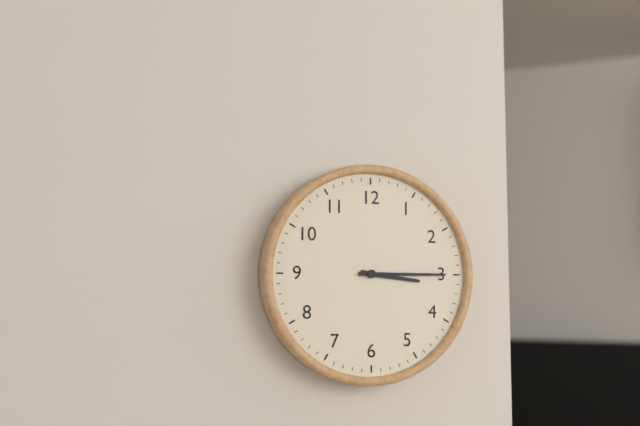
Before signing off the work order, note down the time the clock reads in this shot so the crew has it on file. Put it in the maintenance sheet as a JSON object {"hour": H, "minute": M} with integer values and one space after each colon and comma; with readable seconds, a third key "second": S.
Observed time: {"hour": 3, "minute": 15}
